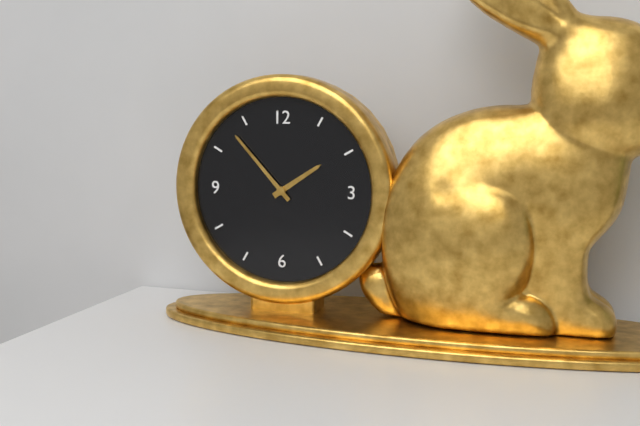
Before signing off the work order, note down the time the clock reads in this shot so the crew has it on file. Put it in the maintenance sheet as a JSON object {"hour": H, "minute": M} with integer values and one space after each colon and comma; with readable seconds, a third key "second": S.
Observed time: {"hour": 1, "minute": 53}
